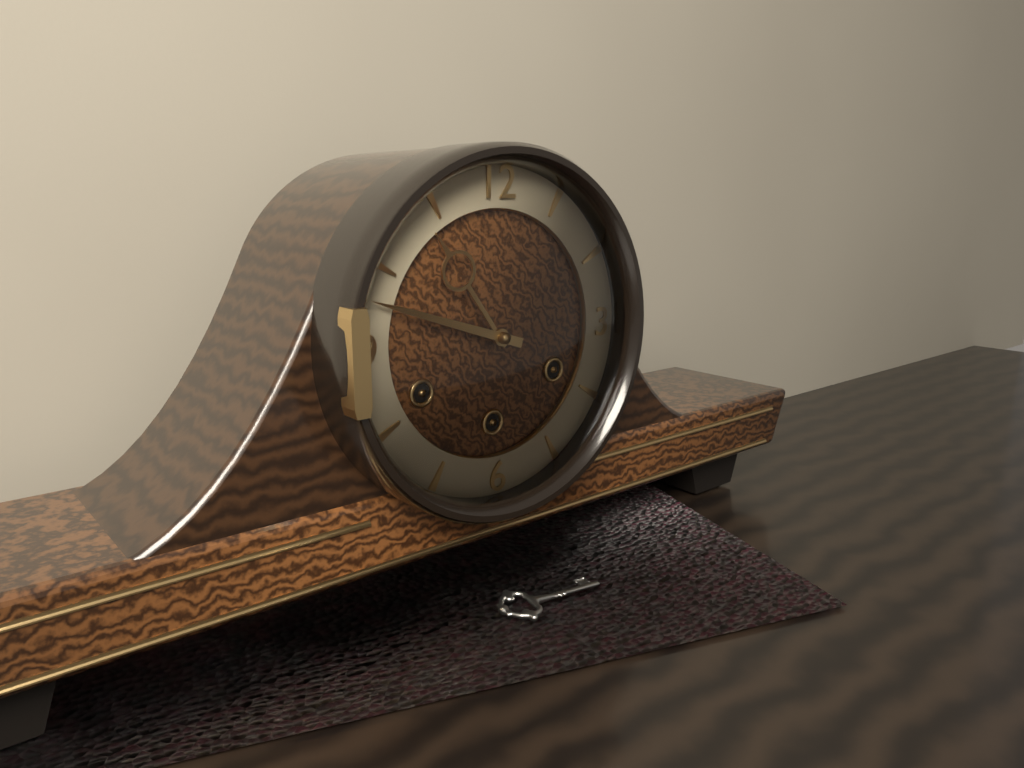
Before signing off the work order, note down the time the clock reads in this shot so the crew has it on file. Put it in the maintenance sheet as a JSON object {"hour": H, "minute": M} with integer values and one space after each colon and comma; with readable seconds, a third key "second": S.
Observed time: {"hour": 10, "minute": 48}
